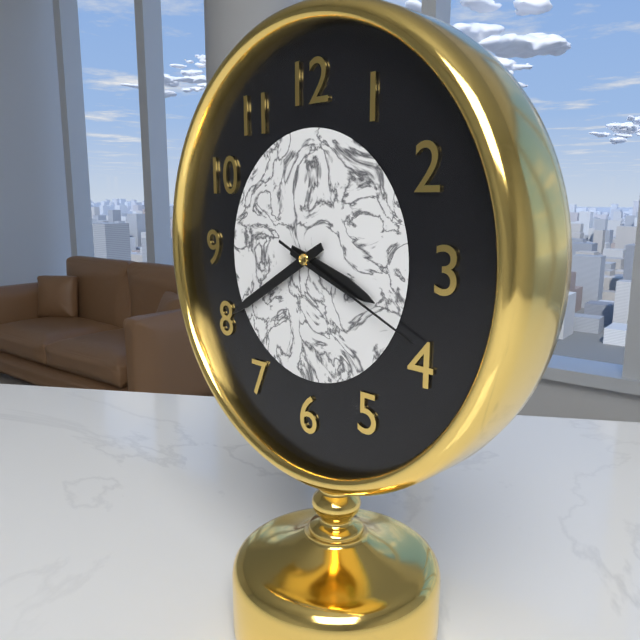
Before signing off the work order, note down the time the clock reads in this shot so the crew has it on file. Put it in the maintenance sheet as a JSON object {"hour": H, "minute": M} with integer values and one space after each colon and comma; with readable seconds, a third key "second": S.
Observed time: {"hour": 3, "minute": 40, "second": 19}
